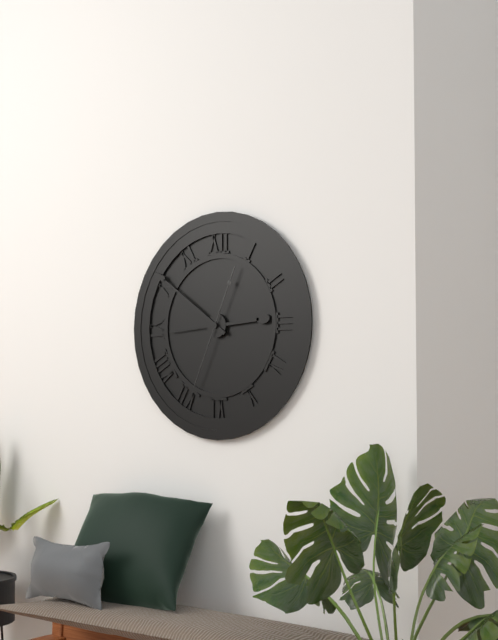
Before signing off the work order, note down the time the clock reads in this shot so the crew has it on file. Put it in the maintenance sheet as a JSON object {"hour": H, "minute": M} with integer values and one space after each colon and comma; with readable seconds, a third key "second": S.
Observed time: {"hour": 2, "minute": 51, "second": 34}
